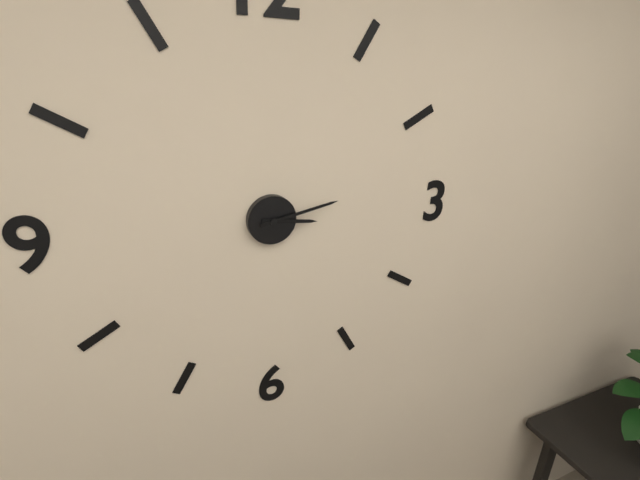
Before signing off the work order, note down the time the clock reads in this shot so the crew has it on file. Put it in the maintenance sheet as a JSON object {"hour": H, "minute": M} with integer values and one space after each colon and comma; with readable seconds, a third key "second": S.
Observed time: {"hour": 3, "minute": 13}
